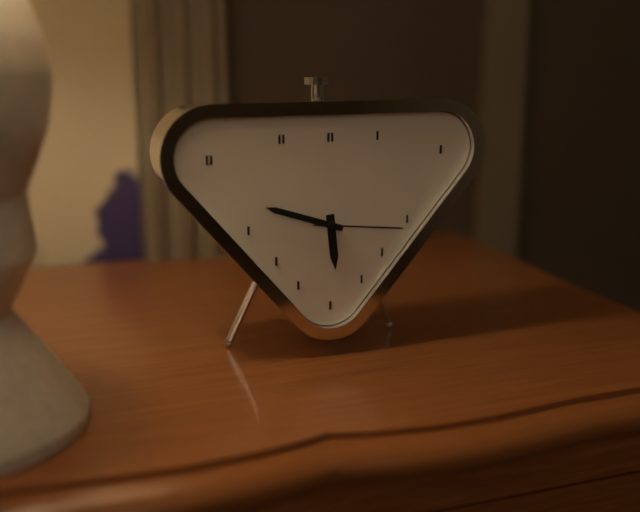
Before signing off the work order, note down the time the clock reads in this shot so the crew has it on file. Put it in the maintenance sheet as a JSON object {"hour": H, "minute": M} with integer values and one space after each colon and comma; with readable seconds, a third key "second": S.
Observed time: {"hour": 5, "minute": 48, "second": 16}
